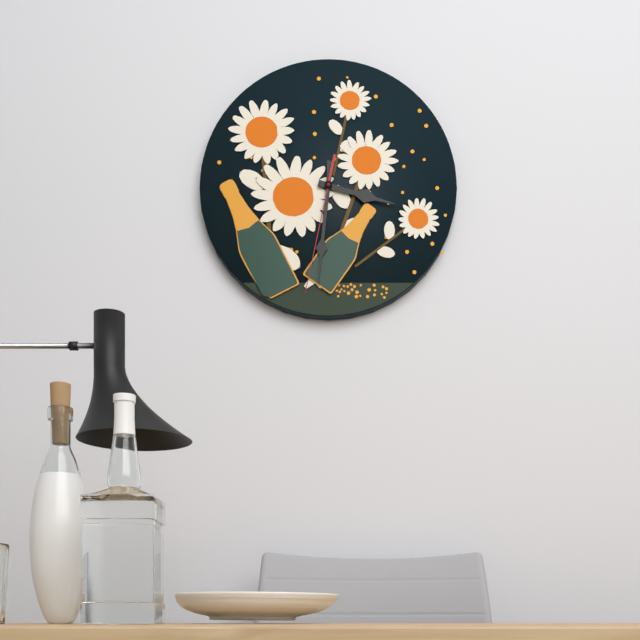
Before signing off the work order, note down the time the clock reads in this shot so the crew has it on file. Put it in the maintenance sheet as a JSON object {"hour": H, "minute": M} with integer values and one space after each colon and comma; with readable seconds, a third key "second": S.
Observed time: {"hour": 3, "minute": 31, "second": 32}
